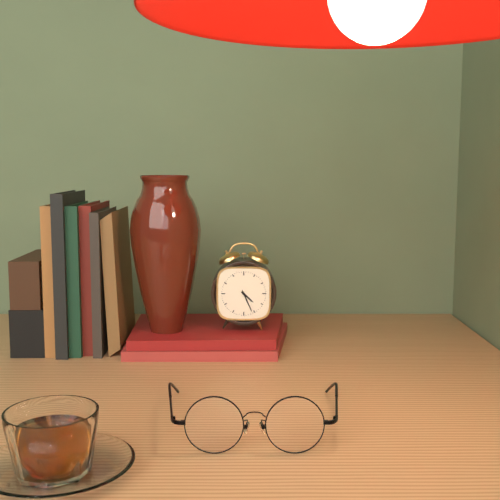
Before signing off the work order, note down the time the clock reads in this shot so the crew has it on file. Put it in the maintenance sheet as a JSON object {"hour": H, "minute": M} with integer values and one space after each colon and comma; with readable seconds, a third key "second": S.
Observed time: {"hour": 4, "minute": 26}
